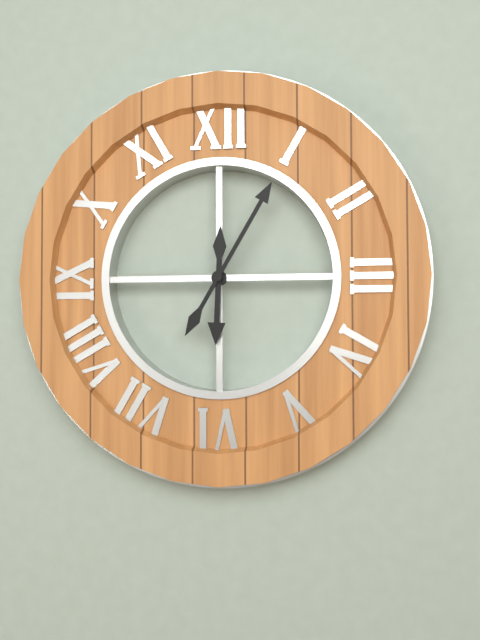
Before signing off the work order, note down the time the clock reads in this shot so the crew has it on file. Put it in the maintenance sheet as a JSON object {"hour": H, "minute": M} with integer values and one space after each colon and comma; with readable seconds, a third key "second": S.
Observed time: {"hour": 6, "minute": 5}
